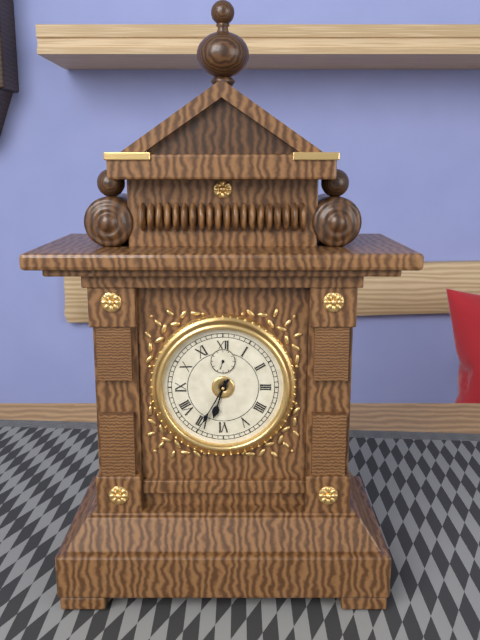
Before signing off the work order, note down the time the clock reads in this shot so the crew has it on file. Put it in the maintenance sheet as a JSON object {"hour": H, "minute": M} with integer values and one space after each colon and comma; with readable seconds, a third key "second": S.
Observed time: {"hour": 6, "minute": 35}
